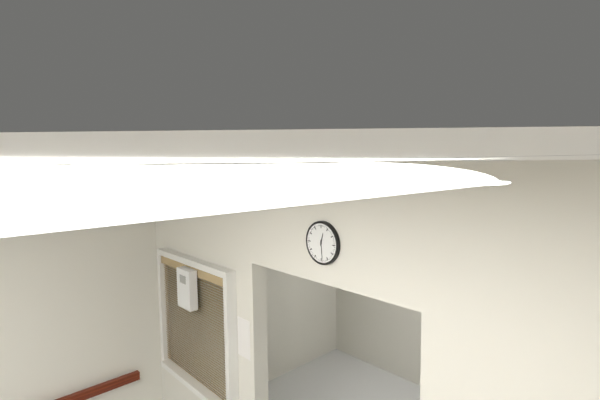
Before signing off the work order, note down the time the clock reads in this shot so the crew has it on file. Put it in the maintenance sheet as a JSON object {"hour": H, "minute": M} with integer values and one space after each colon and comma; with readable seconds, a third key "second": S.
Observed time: {"hour": 12, "minute": 29}
